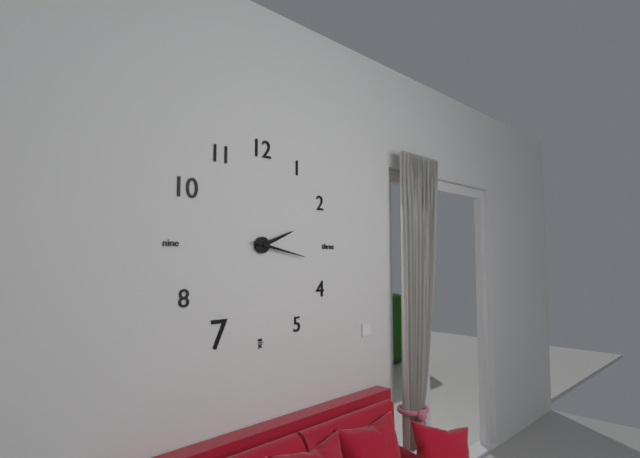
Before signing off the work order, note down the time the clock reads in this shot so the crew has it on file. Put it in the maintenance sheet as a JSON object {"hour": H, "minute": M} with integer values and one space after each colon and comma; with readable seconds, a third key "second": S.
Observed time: {"hour": 2, "minute": 17}
